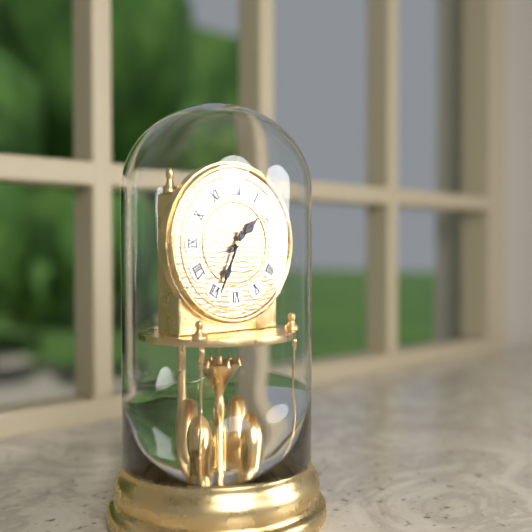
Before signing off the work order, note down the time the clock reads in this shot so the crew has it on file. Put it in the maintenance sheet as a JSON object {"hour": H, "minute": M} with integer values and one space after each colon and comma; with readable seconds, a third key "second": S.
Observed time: {"hour": 1, "minute": 34}
